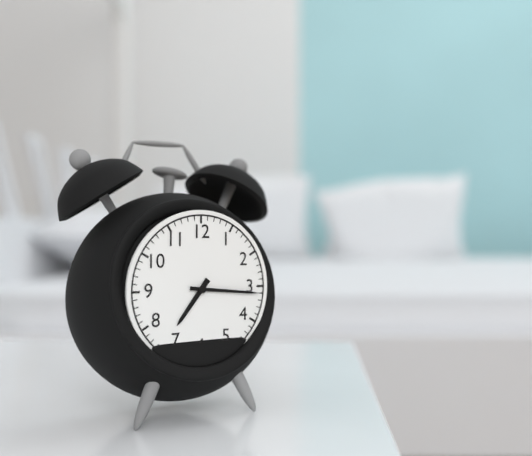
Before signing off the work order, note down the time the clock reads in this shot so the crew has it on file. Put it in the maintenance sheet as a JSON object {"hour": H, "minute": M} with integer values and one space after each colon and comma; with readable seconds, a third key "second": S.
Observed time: {"hour": 7, "minute": 16}
